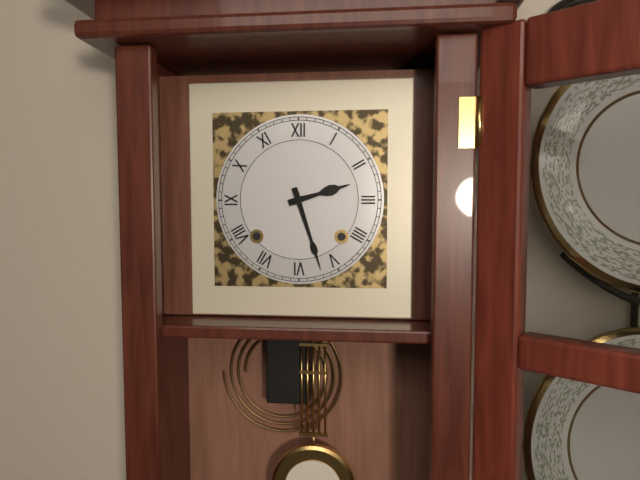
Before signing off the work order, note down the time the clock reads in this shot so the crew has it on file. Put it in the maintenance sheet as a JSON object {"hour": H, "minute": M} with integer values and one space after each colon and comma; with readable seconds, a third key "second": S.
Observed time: {"hour": 2, "minute": 27}
